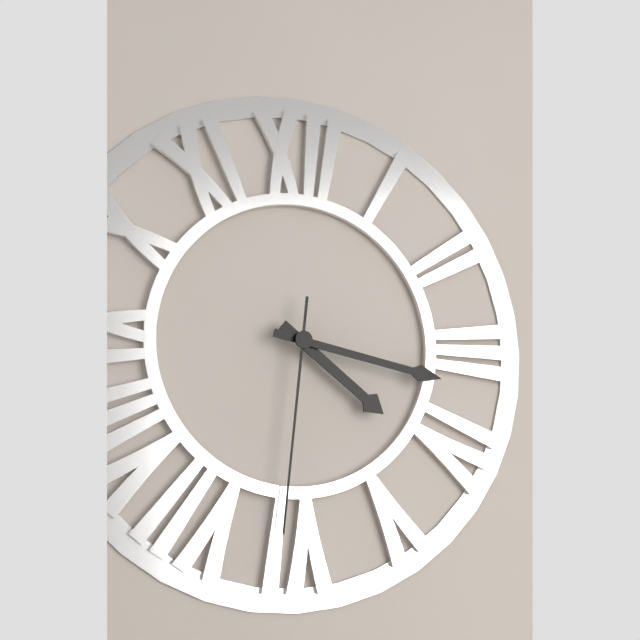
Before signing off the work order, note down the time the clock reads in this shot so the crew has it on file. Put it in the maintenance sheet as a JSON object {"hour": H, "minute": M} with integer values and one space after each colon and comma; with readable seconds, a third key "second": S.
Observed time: {"hour": 4, "minute": 17, "second": 31}
